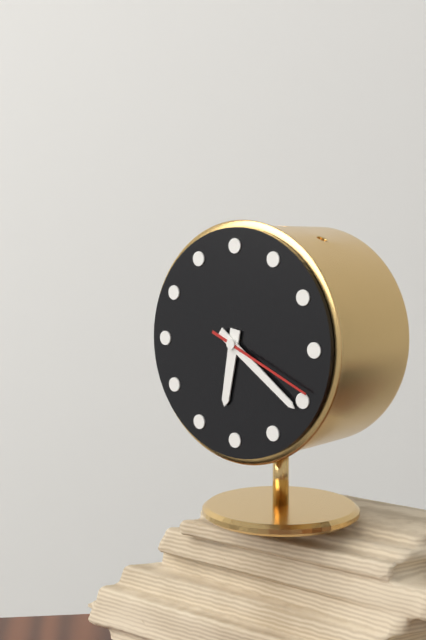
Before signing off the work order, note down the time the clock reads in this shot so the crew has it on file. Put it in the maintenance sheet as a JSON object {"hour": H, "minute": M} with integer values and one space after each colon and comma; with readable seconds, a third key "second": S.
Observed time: {"hour": 6, "minute": 21, "second": 19}
